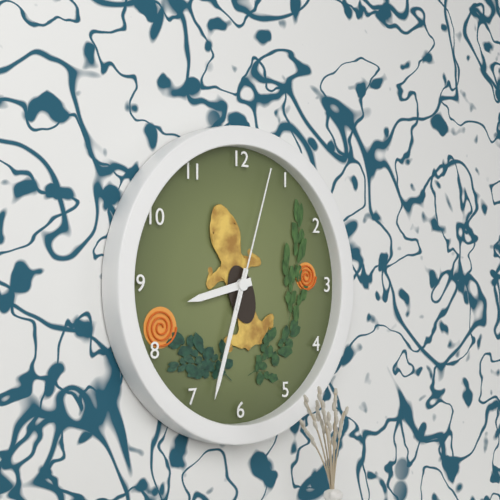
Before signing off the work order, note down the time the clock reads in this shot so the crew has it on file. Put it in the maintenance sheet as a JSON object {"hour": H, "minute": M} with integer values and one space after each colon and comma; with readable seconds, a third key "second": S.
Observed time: {"hour": 8, "minute": 33, "second": 3}
